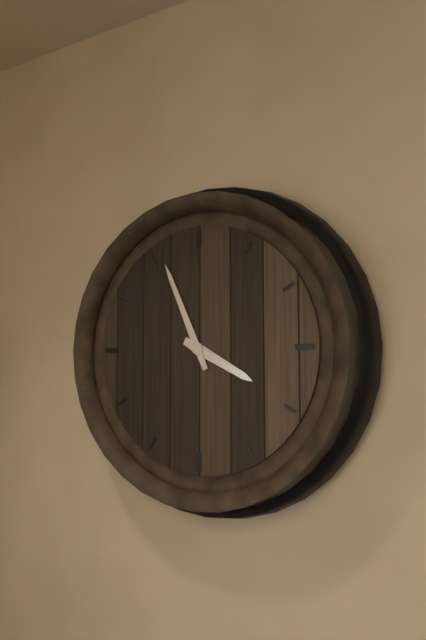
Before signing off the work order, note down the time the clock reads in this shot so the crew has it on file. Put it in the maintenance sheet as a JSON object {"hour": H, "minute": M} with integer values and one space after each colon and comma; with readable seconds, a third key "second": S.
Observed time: {"hour": 3, "minute": 56}
